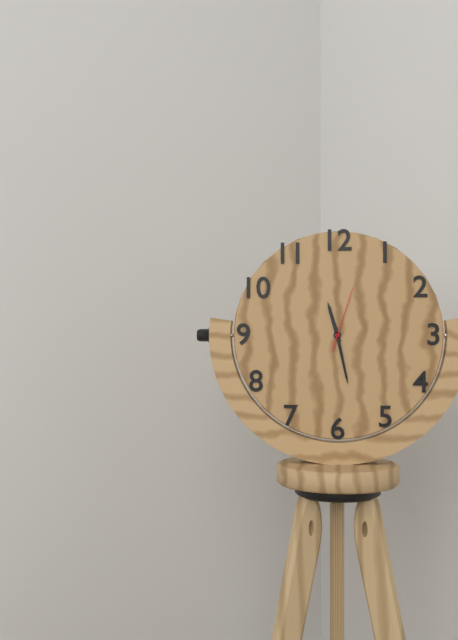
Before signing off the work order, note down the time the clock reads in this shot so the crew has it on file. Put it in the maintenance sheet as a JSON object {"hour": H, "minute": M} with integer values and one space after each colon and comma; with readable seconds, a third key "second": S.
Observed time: {"hour": 11, "minute": 28, "second": 3}
